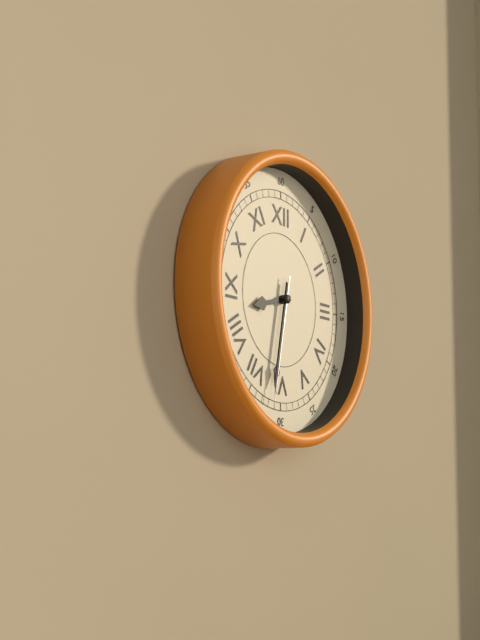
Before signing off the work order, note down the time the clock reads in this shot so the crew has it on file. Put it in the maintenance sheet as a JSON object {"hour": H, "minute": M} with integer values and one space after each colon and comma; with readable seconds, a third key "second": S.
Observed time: {"hour": 8, "minute": 32, "second": 32}
